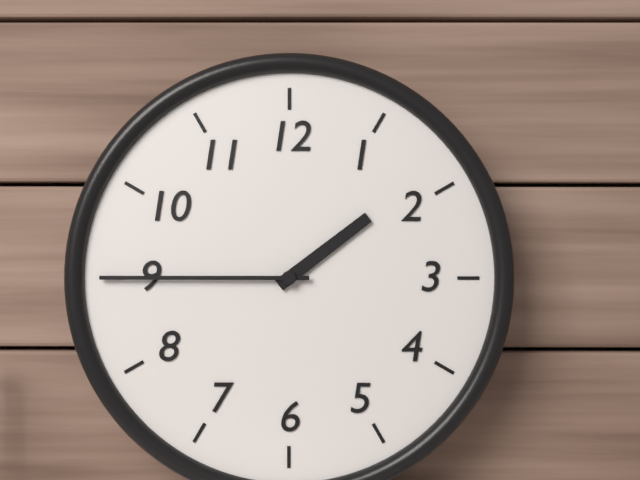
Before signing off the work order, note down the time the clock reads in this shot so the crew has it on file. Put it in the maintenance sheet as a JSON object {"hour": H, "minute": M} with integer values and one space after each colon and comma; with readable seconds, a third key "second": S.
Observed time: {"hour": 1, "minute": 45}
